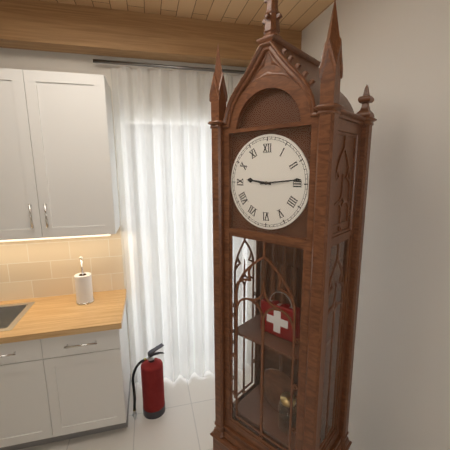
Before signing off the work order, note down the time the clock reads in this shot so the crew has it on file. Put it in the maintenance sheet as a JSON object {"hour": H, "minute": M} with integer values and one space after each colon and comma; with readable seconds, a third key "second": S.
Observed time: {"hour": 9, "minute": 14}
